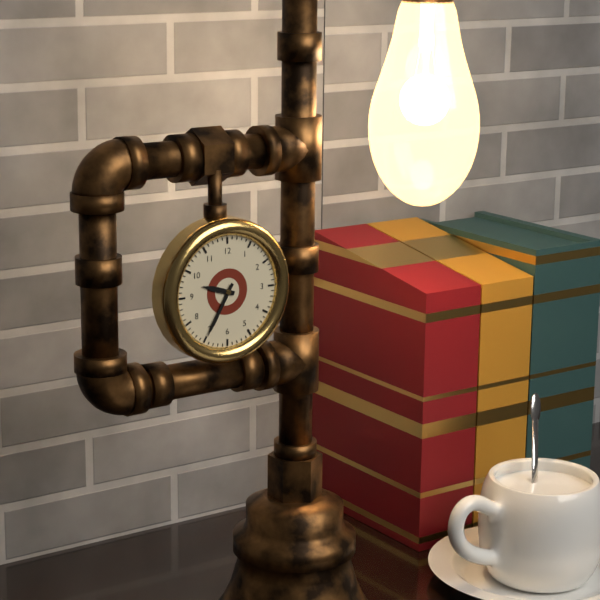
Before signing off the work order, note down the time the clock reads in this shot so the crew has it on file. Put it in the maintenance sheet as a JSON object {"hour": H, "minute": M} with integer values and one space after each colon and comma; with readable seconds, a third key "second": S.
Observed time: {"hour": 9, "minute": 35}
